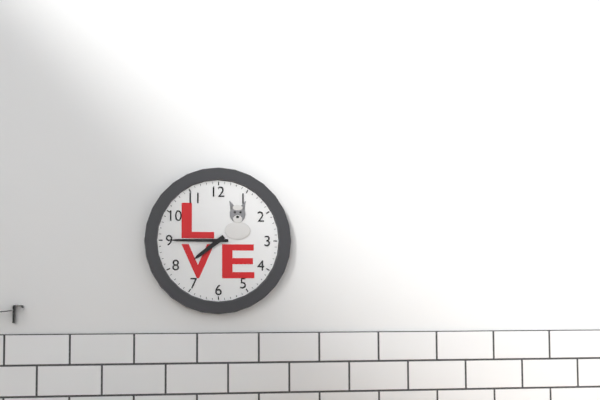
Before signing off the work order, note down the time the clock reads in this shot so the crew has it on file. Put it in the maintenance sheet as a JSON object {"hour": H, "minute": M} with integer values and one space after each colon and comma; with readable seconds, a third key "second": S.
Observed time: {"hour": 7, "minute": 45}
